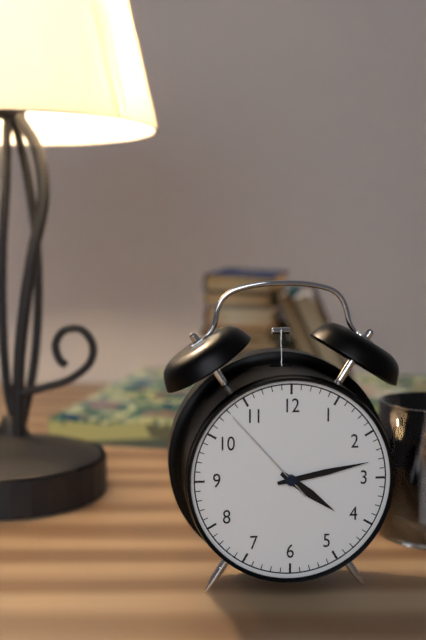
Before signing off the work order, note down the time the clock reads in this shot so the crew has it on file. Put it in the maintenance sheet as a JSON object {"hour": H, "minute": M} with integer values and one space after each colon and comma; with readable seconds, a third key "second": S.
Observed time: {"hour": 4, "minute": 13, "second": 53}
